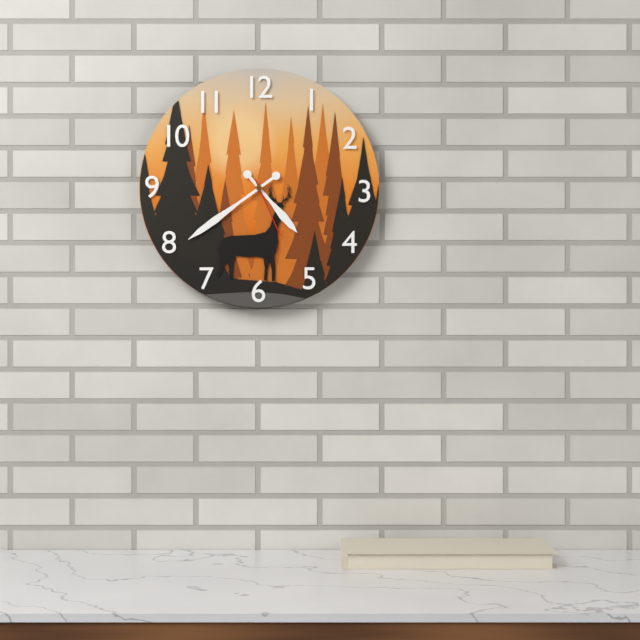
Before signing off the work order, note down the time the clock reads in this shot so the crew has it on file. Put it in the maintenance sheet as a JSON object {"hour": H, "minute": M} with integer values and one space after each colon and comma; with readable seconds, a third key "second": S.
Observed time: {"hour": 4, "minute": 39, "second": 26}
